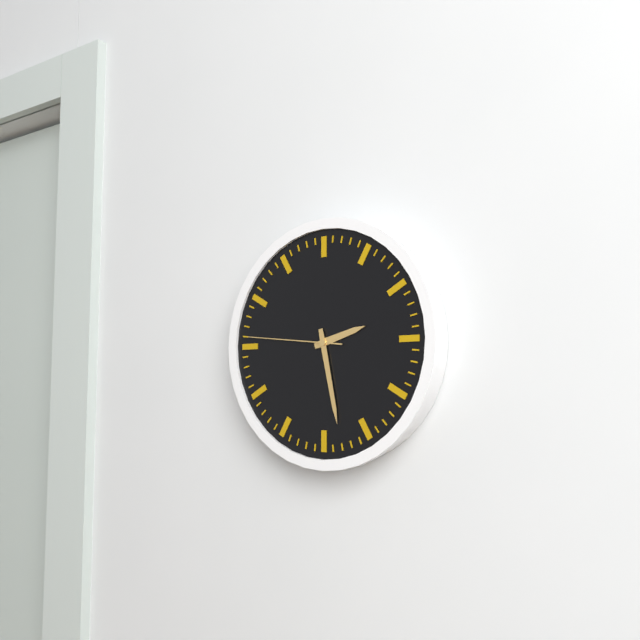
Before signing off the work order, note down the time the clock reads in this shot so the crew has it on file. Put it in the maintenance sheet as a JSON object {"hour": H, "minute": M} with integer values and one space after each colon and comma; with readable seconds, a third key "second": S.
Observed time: {"hour": 2, "minute": 28, "second": 46}
